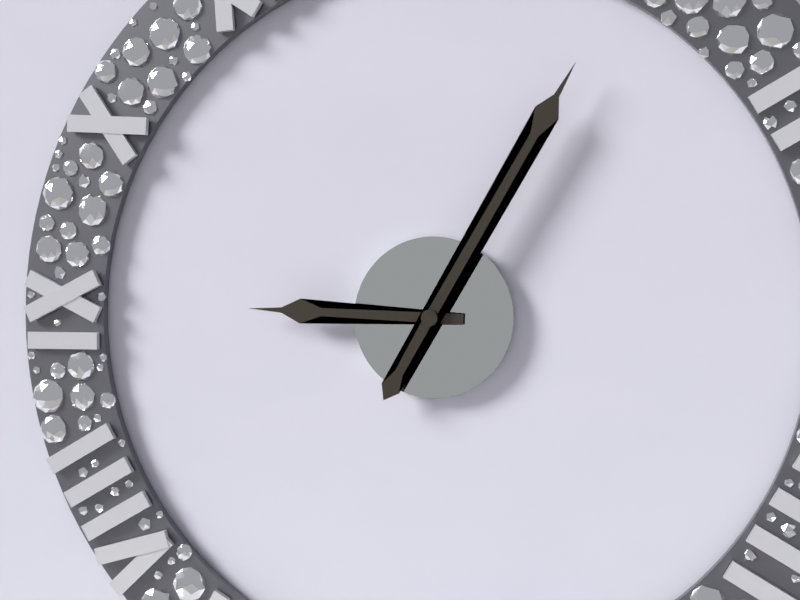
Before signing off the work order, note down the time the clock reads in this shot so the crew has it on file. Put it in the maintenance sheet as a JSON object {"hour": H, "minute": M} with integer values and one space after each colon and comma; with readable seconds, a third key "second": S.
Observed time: {"hour": 9, "minute": 5}
